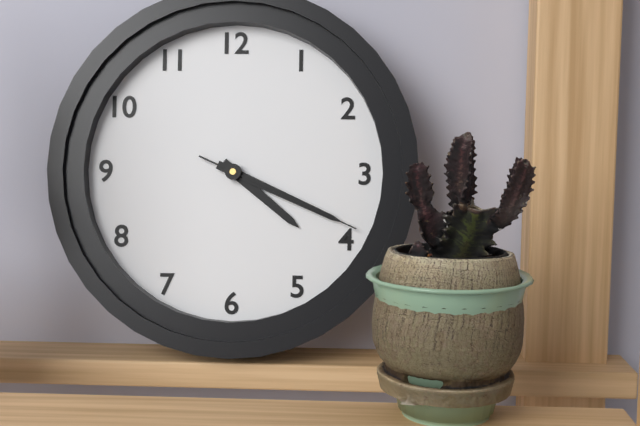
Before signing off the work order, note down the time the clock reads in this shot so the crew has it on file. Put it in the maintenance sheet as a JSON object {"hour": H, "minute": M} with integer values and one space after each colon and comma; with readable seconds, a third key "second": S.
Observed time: {"hour": 4, "minute": 19, "second": 19}
